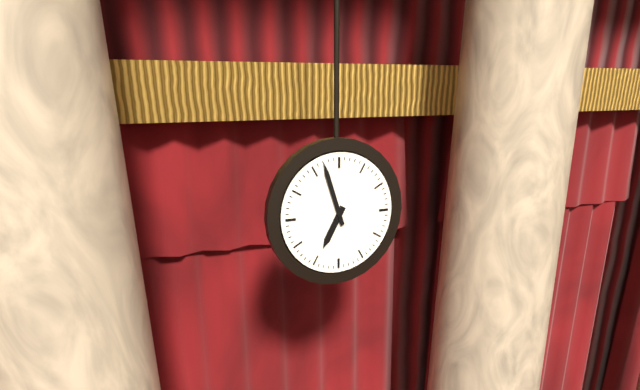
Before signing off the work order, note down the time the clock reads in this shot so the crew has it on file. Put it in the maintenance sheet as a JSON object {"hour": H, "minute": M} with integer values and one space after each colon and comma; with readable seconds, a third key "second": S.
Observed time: {"hour": 6, "minute": 57}
